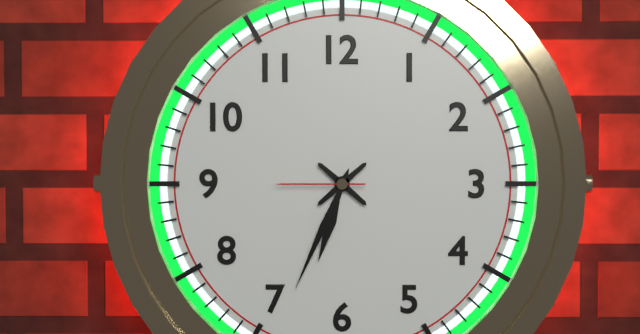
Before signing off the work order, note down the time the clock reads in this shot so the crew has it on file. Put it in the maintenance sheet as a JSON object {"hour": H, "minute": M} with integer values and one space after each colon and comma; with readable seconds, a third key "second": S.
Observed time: {"hour": 6, "minute": 34, "second": 45}
